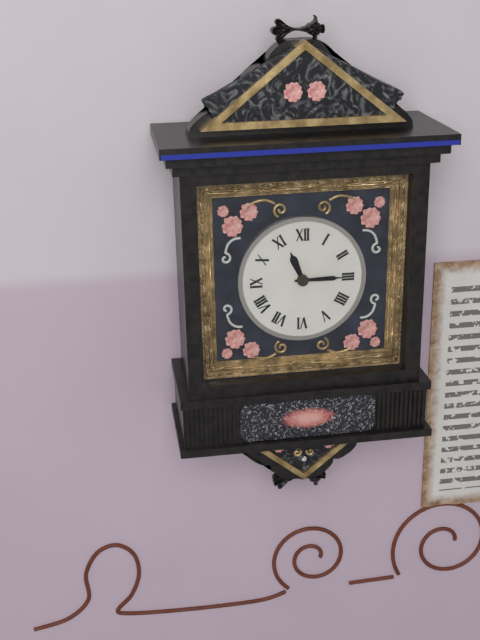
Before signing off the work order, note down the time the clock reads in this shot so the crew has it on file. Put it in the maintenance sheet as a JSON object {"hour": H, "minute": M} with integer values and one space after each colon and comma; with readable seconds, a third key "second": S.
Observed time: {"hour": 11, "minute": 15}
